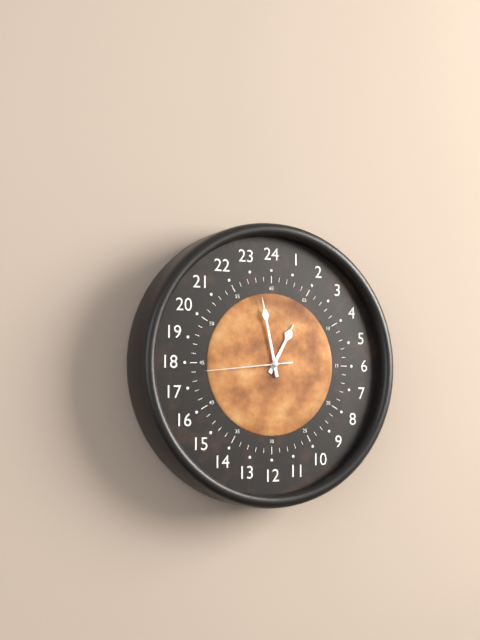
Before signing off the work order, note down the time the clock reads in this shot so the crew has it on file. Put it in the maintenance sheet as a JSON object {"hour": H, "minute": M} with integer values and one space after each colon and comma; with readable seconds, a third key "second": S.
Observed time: {"hour": 12, "minute": 58, "second": 44}
